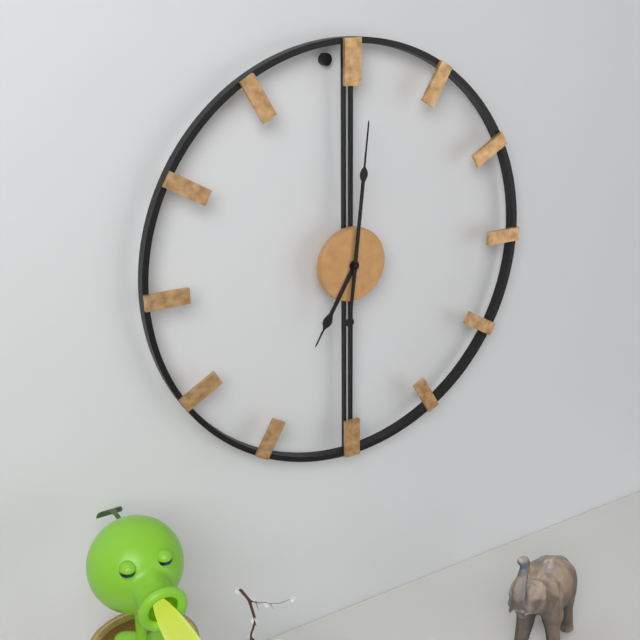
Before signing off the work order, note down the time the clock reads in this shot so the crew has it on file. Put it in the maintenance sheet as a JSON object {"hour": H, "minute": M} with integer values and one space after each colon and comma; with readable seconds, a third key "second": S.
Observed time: {"hour": 7, "minute": 1}
